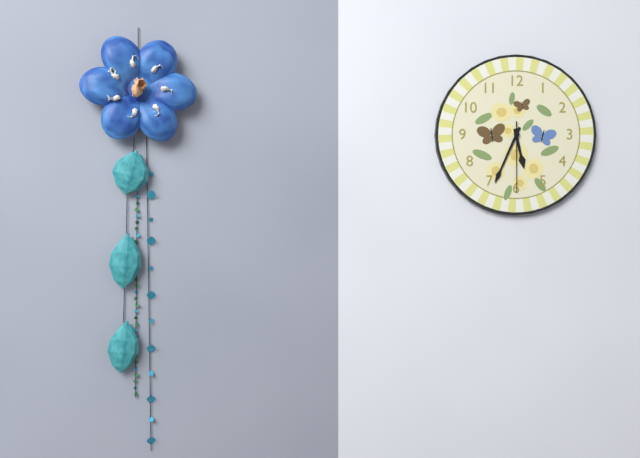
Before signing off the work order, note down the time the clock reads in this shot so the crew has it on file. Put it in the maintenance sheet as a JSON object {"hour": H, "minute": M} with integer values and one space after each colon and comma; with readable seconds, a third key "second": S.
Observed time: {"hour": 5, "minute": 34, "second": 30}
